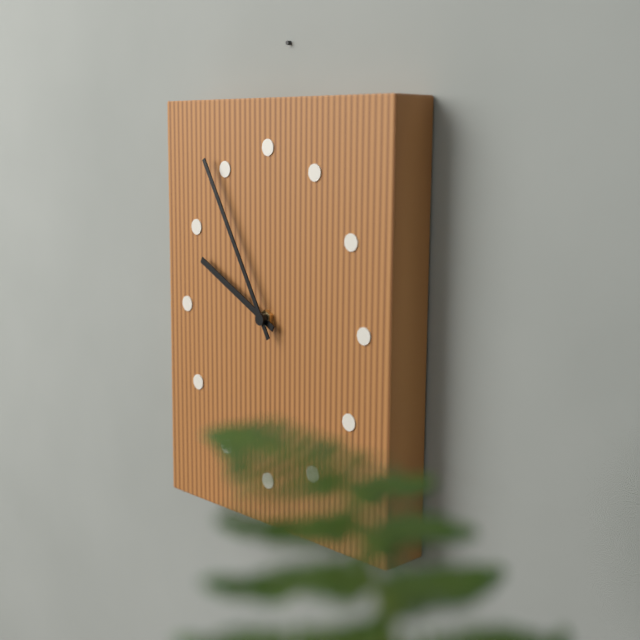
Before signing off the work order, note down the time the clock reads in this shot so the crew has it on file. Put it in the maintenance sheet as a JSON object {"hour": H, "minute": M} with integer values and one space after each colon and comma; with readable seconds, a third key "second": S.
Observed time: {"hour": 9, "minute": 55}
